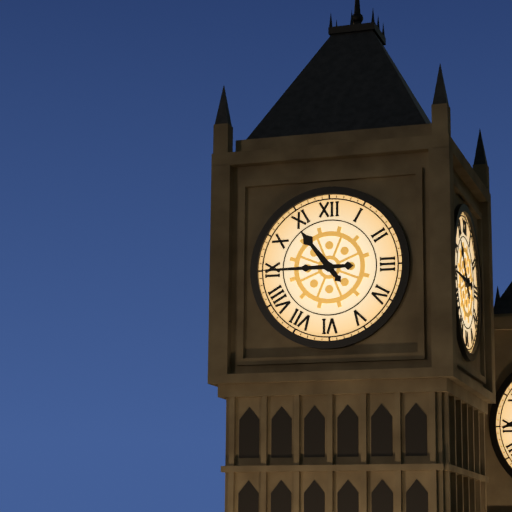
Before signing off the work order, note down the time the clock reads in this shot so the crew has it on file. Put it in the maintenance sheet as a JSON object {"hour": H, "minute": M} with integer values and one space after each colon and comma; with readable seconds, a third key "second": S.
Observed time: {"hour": 10, "minute": 45}
